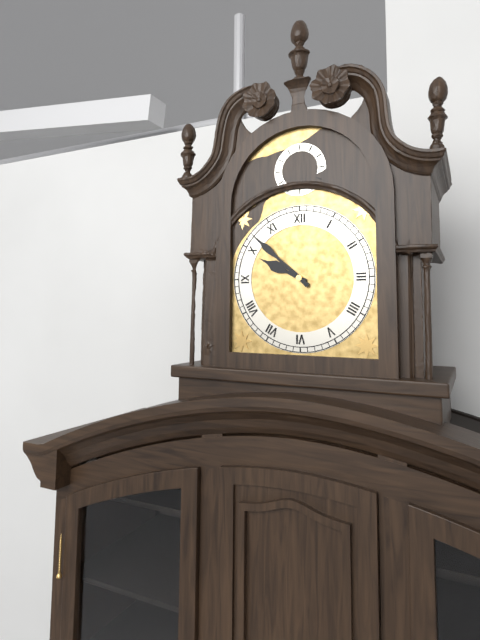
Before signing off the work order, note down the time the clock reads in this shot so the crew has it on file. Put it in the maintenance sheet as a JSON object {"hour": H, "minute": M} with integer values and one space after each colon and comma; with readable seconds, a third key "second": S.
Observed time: {"hour": 9, "minute": 52}
